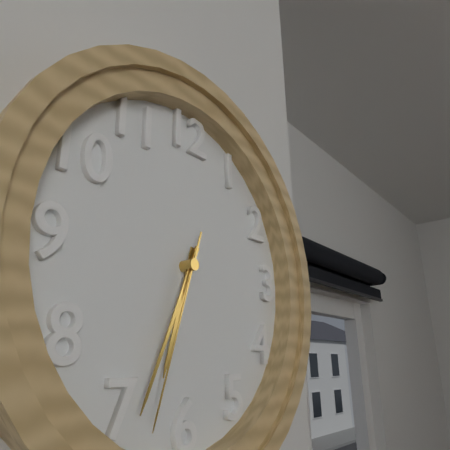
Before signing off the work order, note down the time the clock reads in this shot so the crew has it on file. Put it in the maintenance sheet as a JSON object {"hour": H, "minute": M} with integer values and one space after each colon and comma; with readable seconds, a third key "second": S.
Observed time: {"hour": 6, "minute": 34, "second": 33}
